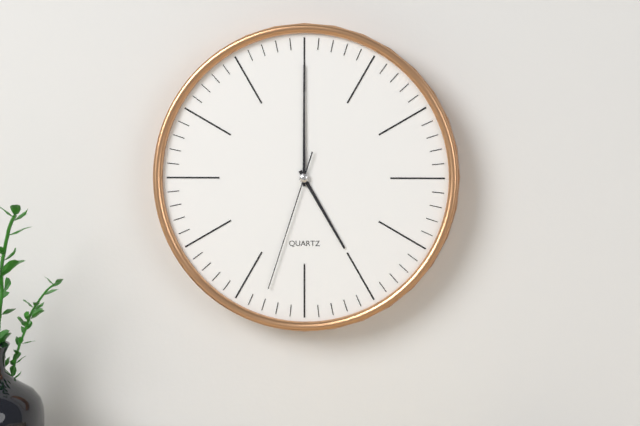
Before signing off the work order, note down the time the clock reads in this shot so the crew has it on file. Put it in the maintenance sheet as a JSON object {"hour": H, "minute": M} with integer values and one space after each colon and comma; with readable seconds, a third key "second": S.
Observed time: {"hour": 5, "minute": 0, "second": 33}
